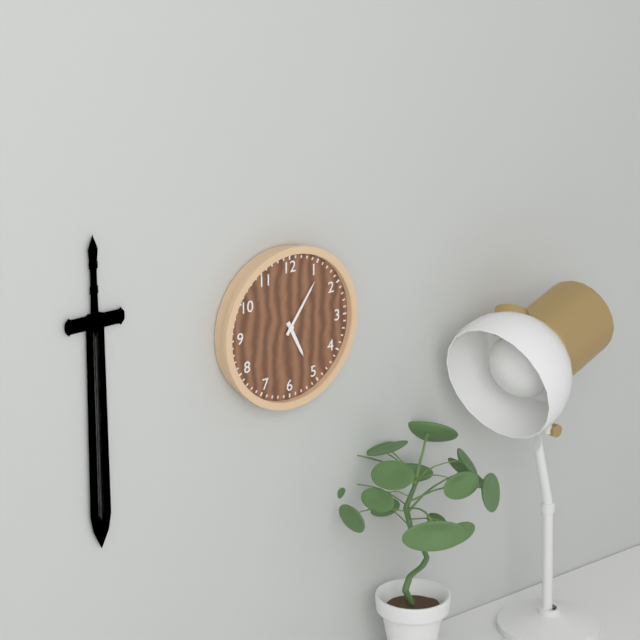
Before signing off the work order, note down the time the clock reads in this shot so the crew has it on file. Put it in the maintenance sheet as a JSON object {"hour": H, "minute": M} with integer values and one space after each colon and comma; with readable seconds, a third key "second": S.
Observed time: {"hour": 5, "minute": 6}
